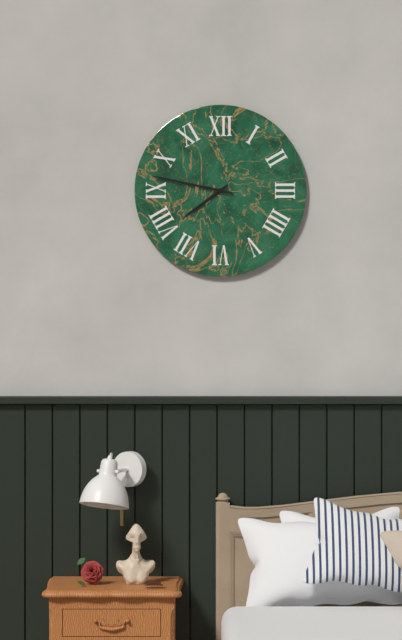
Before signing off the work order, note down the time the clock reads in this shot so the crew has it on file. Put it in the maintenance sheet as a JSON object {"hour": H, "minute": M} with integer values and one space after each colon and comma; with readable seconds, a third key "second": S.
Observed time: {"hour": 7, "minute": 47}
